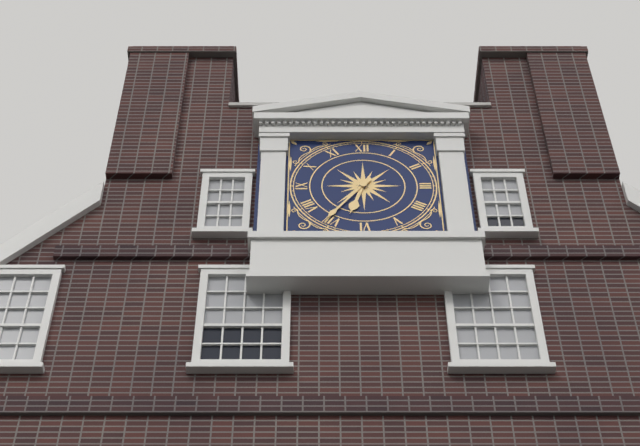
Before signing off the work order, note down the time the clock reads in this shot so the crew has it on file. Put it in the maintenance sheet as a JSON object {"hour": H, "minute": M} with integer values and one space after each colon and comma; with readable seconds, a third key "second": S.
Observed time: {"hour": 6, "minute": 36}
